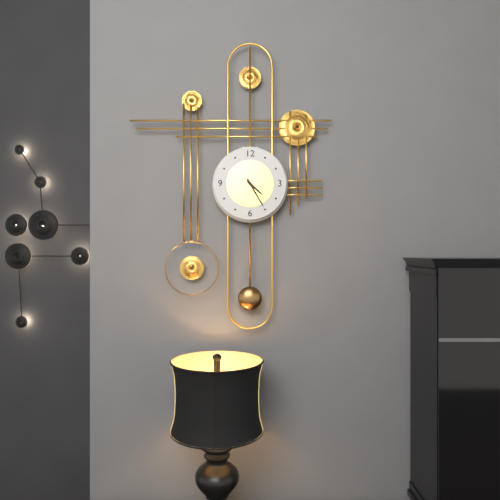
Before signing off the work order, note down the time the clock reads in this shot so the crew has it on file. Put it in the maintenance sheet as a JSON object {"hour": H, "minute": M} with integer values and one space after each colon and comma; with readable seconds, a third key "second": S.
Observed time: {"hour": 4, "minute": 25}
